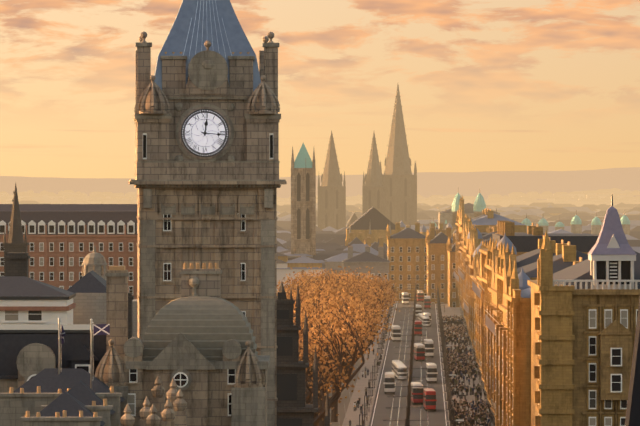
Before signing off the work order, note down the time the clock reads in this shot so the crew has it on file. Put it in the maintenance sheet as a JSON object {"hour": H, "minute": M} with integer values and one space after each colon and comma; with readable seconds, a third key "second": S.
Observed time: {"hour": 12, "minute": 16}
